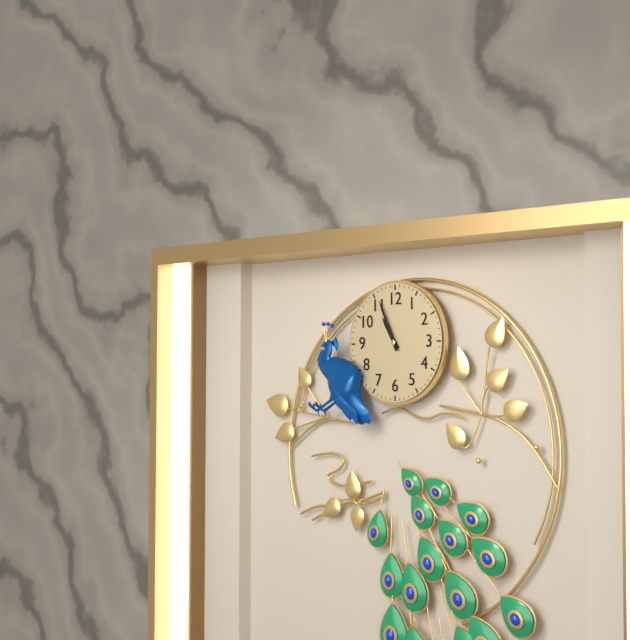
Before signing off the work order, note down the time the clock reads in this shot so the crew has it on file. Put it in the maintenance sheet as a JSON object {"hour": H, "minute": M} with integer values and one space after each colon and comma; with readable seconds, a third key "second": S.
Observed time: {"hour": 10, "minute": 56}
